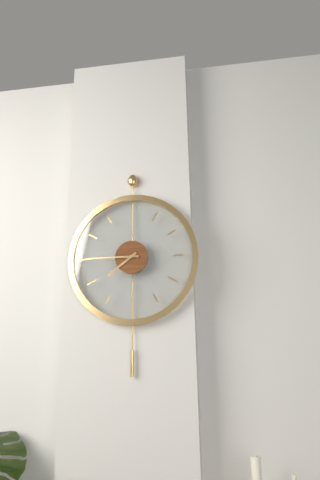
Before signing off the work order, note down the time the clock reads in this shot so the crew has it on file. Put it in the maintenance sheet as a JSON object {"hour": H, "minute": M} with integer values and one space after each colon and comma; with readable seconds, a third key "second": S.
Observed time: {"hour": 7, "minute": 45}
